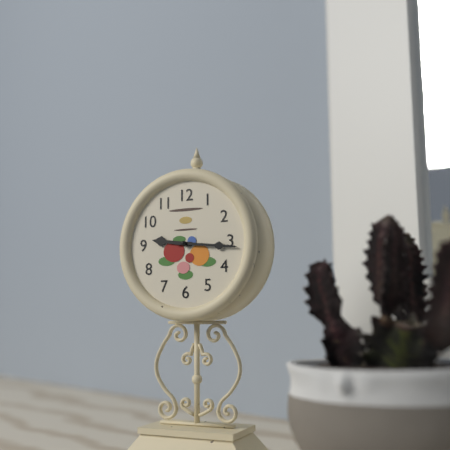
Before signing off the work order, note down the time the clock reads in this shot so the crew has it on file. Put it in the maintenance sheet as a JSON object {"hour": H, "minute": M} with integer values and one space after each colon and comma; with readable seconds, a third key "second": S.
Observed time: {"hour": 9, "minute": 16}
